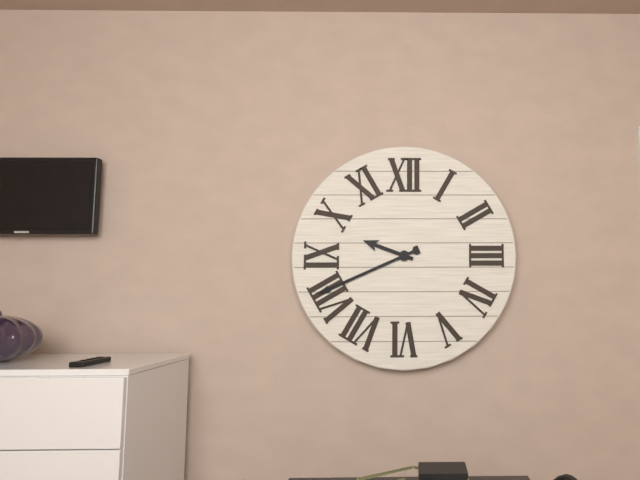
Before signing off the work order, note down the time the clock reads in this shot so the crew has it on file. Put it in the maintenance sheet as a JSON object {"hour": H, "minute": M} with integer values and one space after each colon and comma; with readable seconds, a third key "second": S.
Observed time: {"hour": 9, "minute": 41}
